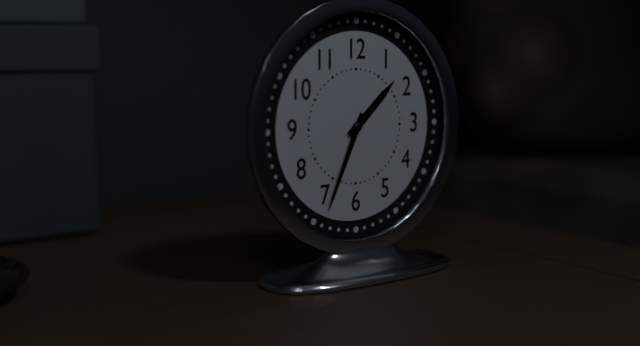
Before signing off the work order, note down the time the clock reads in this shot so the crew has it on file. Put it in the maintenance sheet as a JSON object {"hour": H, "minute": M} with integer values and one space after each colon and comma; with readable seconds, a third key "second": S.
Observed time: {"hour": 1, "minute": 34}
